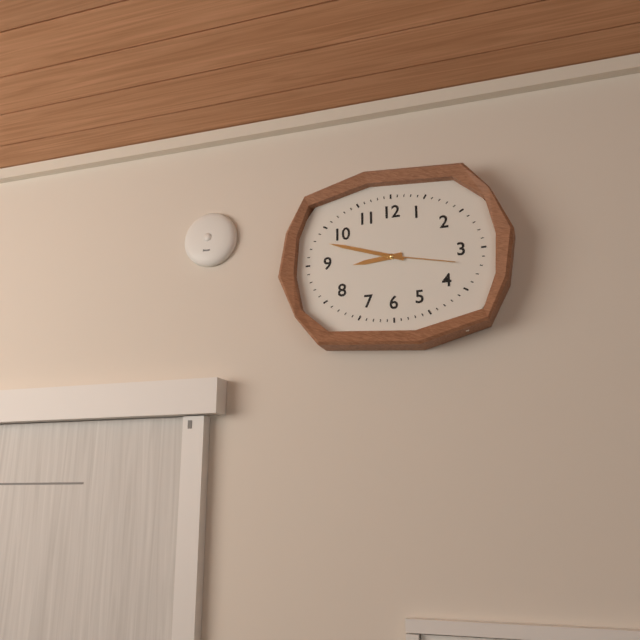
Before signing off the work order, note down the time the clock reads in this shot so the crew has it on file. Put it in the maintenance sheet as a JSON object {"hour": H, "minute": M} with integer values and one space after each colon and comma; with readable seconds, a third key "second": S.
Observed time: {"hour": 8, "minute": 48, "second": 17}
